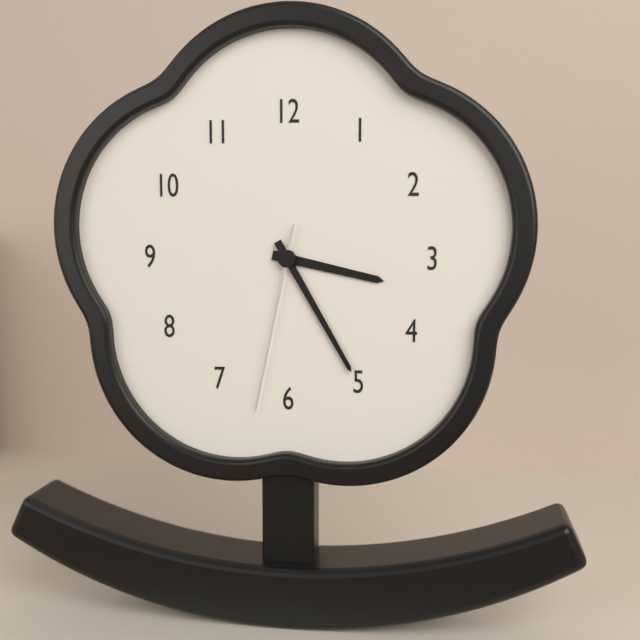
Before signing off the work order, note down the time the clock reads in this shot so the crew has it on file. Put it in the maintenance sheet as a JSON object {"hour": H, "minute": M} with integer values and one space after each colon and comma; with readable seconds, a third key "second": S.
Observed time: {"hour": 3, "minute": 25, "second": 32}
